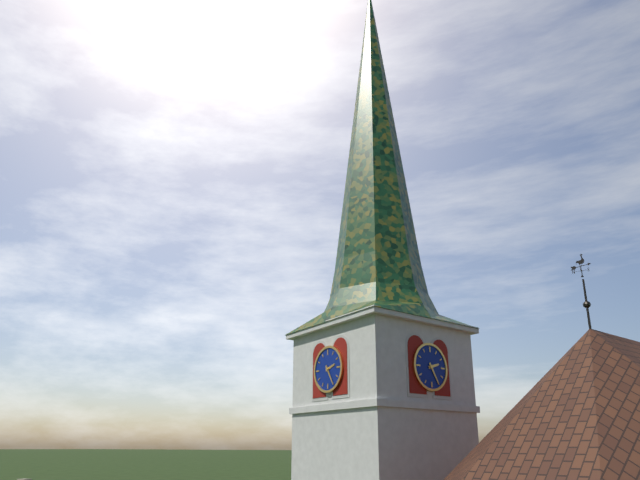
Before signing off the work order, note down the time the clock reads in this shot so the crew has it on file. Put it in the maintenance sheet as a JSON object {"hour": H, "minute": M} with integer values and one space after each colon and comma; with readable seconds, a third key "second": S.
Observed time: {"hour": 2, "minute": 25}
